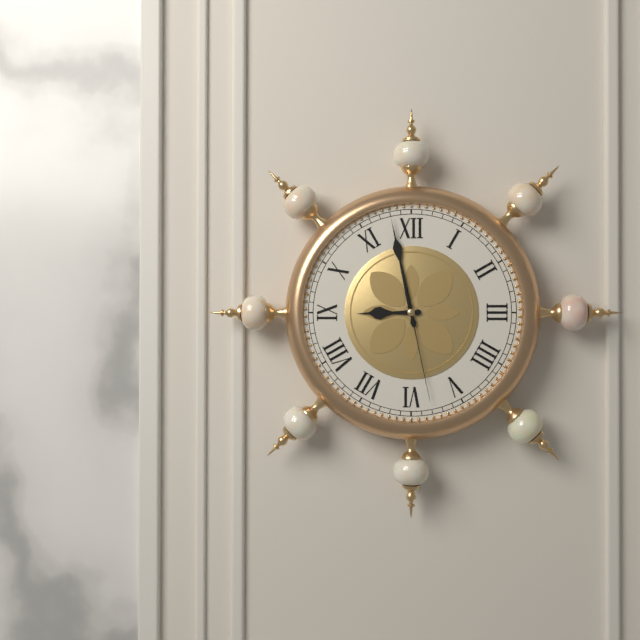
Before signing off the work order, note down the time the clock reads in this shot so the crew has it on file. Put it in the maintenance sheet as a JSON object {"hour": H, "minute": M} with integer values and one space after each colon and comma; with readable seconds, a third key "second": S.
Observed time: {"hour": 8, "minute": 58, "second": 28}
